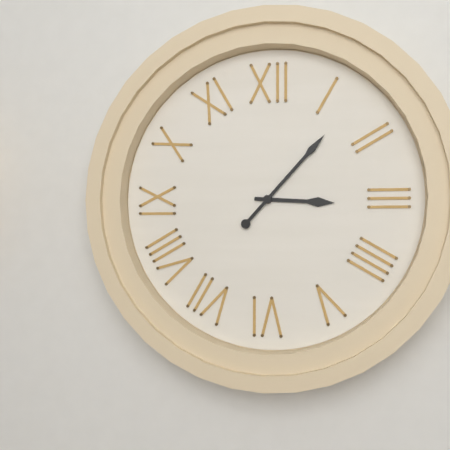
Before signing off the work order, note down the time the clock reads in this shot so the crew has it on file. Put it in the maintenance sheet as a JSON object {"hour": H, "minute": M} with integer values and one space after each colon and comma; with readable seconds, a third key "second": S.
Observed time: {"hour": 3, "minute": 7}
